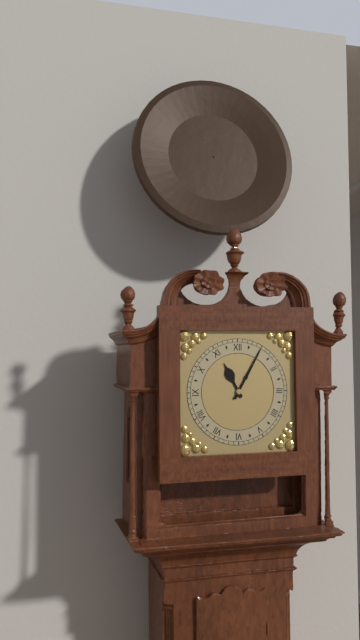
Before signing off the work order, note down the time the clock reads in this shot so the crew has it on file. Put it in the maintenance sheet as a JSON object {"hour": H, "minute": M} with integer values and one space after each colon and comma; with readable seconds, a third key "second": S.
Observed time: {"hour": 11, "minute": 5}
